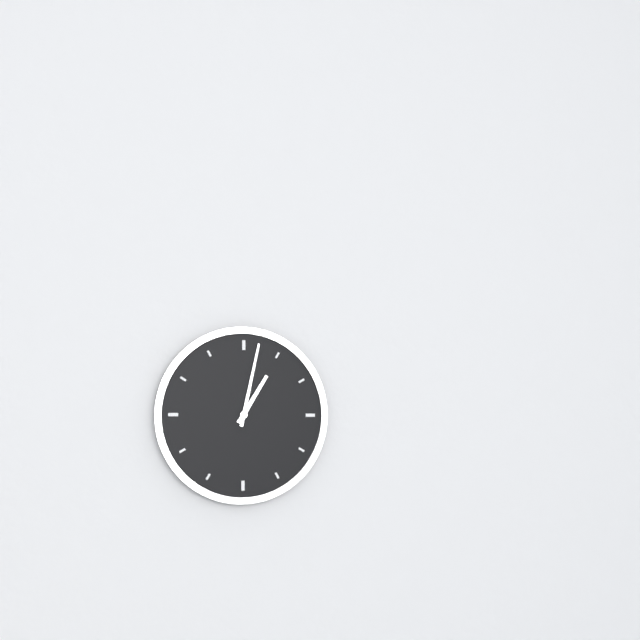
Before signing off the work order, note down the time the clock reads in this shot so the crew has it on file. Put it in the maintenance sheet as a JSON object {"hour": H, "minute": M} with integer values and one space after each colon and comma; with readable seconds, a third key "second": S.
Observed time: {"hour": 1, "minute": 2}
